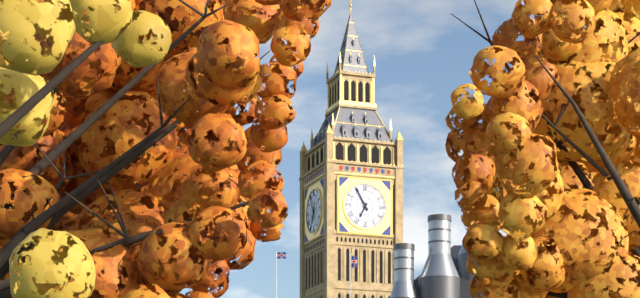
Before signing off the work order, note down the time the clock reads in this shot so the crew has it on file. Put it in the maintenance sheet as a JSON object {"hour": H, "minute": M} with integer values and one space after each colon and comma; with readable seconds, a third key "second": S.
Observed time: {"hour": 6, "minute": 55}
